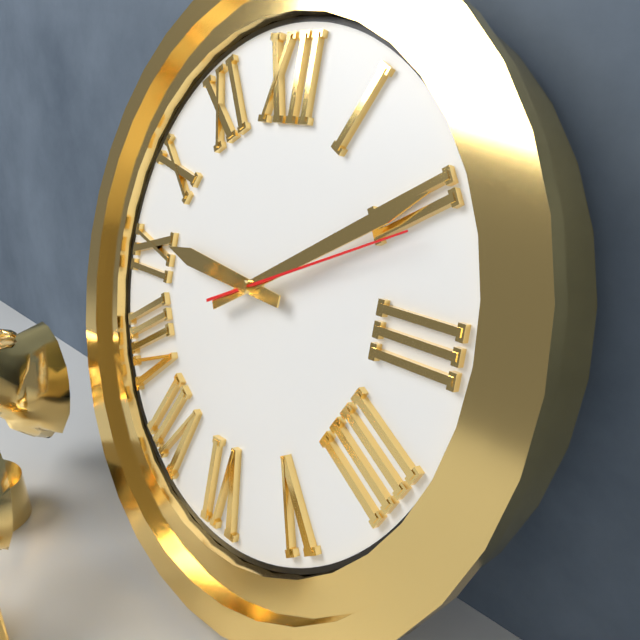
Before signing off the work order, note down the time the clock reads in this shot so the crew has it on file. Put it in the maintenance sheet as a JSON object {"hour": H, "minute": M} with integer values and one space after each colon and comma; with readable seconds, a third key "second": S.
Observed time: {"hour": 9, "minute": 10, "second": 11}
